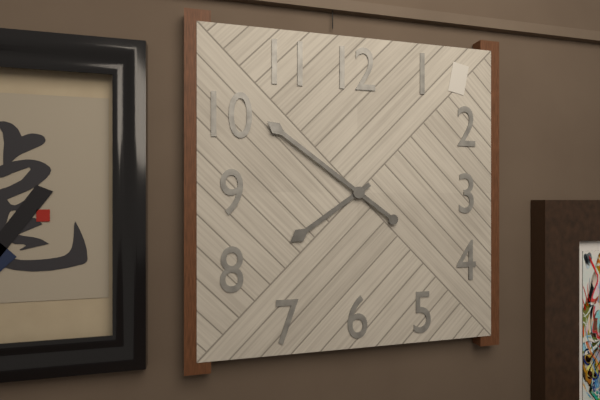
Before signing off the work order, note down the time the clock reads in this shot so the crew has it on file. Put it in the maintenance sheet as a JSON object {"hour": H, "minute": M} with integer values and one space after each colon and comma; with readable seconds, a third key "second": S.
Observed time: {"hour": 7, "minute": 51}
